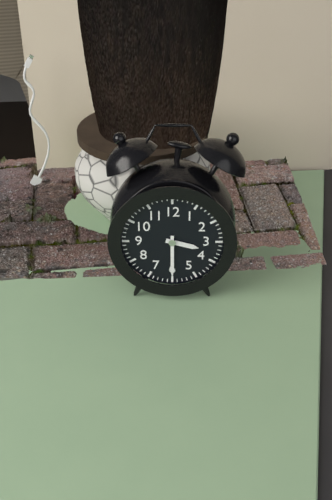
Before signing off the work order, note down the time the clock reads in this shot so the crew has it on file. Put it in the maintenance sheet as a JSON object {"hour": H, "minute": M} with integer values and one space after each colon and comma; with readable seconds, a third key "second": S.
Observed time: {"hour": 3, "minute": 30}
